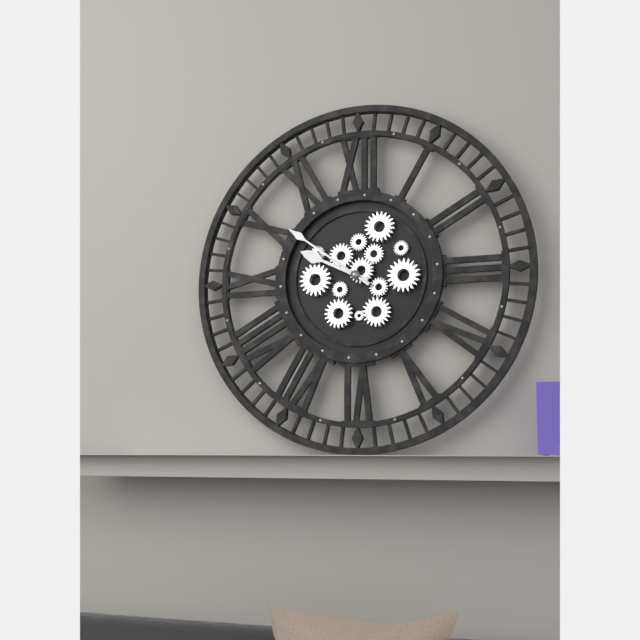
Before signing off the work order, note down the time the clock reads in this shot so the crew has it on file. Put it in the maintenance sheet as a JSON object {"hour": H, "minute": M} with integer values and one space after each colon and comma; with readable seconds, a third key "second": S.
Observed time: {"hour": 9, "minute": 51}
